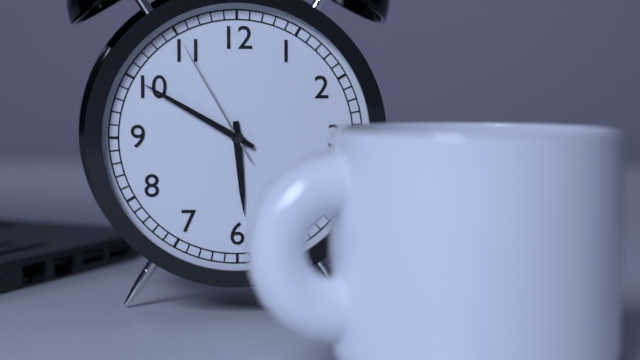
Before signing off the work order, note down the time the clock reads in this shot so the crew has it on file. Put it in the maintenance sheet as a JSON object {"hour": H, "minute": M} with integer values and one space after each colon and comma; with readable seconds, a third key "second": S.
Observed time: {"hour": 5, "minute": 50, "second": 55}
